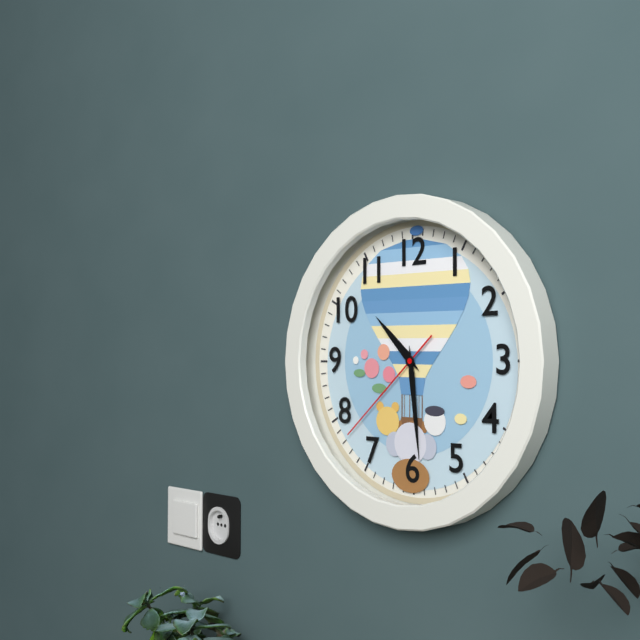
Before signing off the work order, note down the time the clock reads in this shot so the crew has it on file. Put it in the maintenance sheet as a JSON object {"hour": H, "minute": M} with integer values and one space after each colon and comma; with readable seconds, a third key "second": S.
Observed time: {"hour": 10, "minute": 29, "second": 38}
